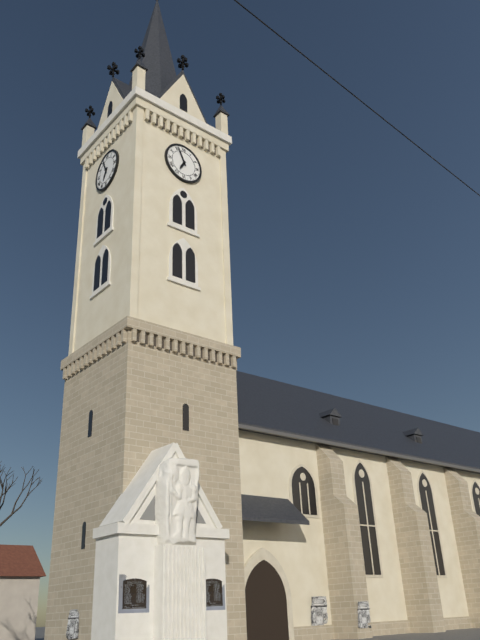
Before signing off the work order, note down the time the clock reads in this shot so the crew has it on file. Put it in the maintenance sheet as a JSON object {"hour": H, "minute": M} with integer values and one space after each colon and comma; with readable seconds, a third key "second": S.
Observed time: {"hour": 6, "minute": 56}
